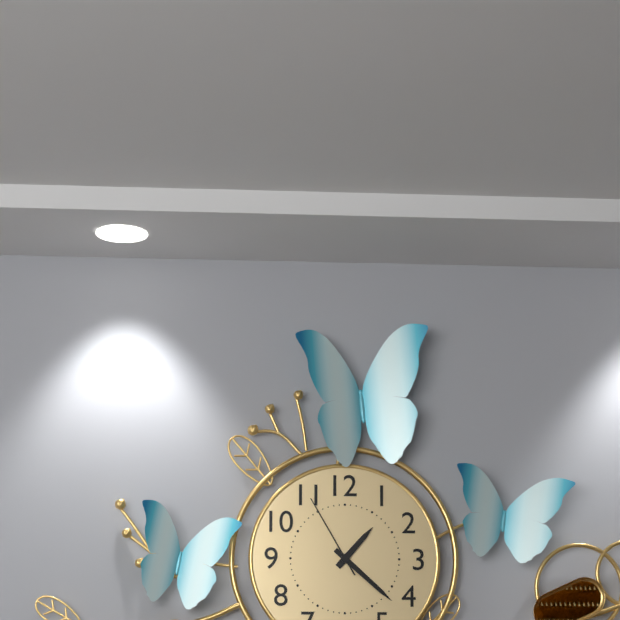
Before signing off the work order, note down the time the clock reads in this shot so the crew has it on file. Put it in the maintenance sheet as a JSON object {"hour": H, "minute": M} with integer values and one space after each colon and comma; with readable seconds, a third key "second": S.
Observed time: {"hour": 1, "minute": 22, "second": 55}
